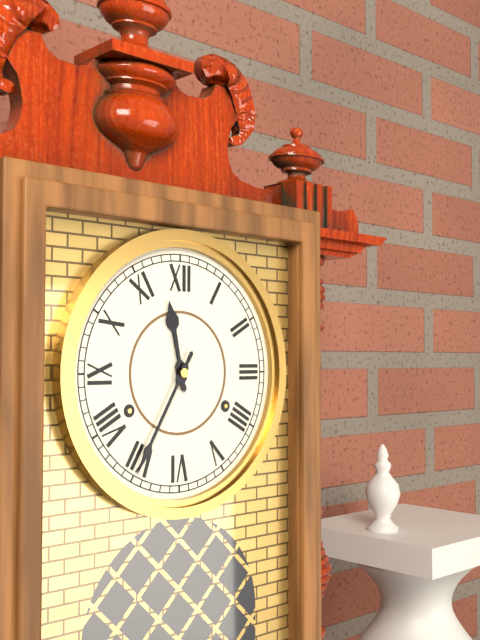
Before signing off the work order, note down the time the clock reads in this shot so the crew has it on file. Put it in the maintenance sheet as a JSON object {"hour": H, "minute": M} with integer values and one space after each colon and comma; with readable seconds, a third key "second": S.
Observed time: {"hour": 11, "minute": 35}
